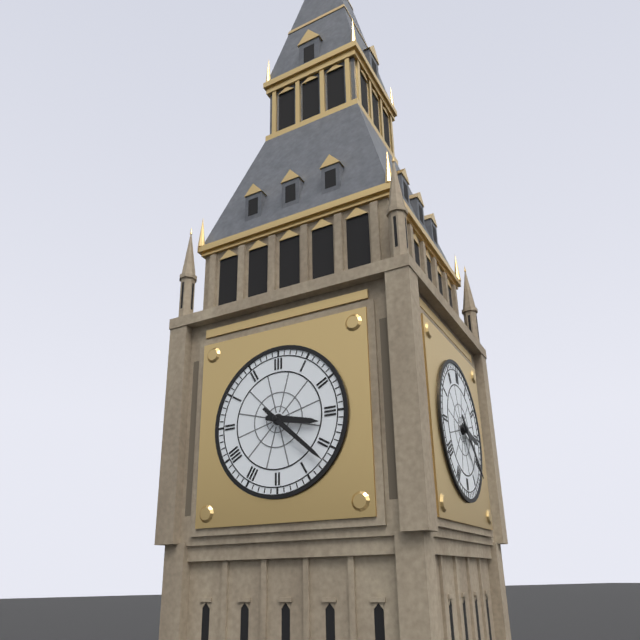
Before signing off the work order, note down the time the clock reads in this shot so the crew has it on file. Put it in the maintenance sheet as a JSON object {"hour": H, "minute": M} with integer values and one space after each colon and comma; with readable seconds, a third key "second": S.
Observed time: {"hour": 3, "minute": 22}
